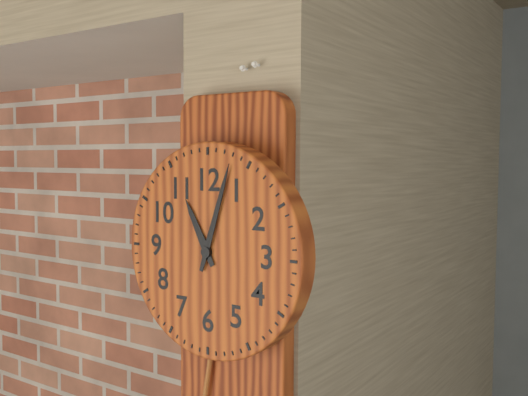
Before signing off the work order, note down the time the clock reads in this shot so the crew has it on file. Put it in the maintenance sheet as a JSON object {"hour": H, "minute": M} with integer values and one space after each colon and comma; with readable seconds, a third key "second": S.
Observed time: {"hour": 11, "minute": 3}
